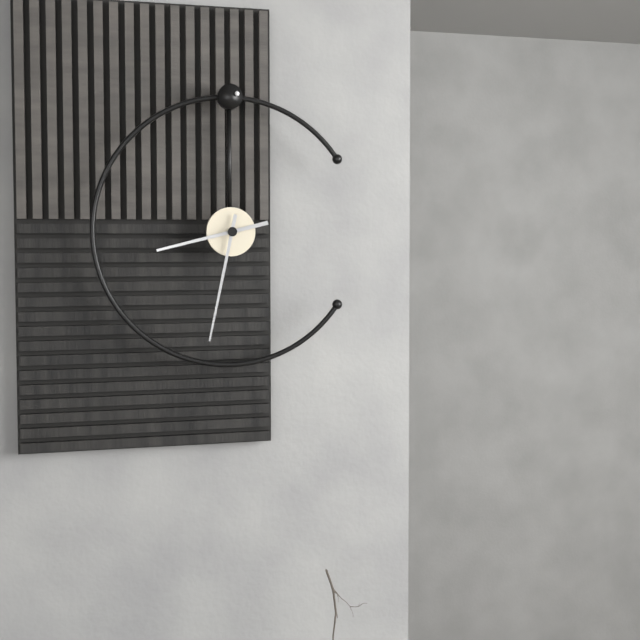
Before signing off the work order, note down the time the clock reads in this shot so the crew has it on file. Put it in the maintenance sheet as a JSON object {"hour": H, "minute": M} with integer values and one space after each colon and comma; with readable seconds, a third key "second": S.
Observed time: {"hour": 8, "minute": 32}
